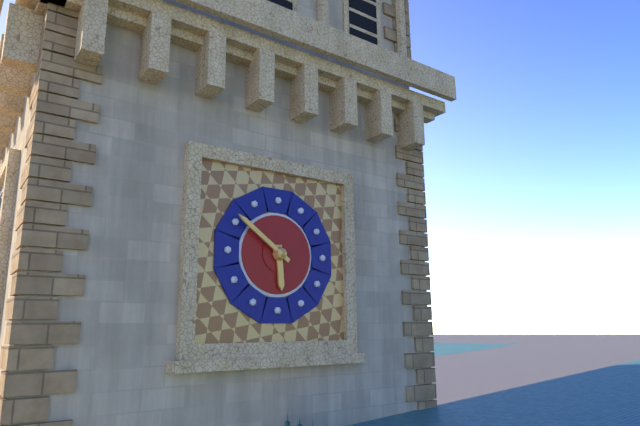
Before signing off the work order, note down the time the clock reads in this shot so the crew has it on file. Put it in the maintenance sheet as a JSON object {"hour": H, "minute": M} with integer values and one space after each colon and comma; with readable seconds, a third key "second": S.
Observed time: {"hour": 5, "minute": 51}
